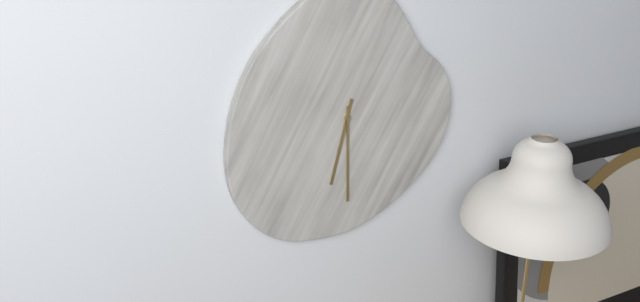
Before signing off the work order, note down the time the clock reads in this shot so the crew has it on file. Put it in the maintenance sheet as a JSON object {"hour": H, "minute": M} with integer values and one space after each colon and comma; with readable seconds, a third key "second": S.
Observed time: {"hour": 6, "minute": 30}
